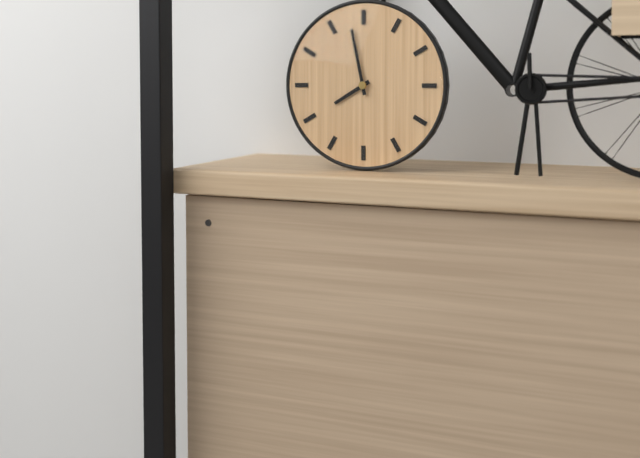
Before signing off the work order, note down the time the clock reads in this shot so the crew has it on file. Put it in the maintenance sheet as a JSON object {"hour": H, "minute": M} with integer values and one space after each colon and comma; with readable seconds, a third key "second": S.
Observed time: {"hour": 7, "minute": 58}
